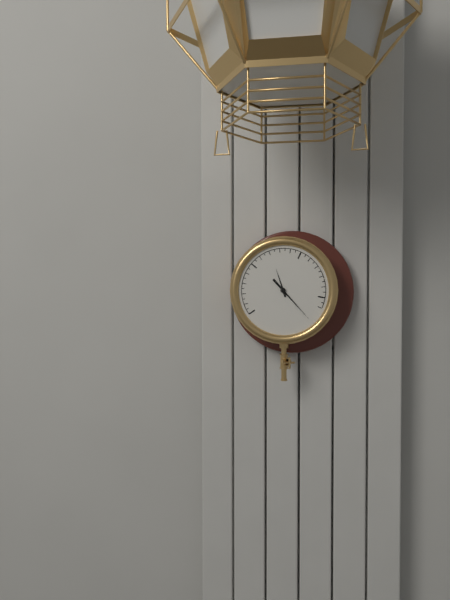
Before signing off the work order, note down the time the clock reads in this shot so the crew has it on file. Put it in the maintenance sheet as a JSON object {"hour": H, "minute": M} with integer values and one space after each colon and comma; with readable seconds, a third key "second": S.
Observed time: {"hour": 11, "minute": 23}
